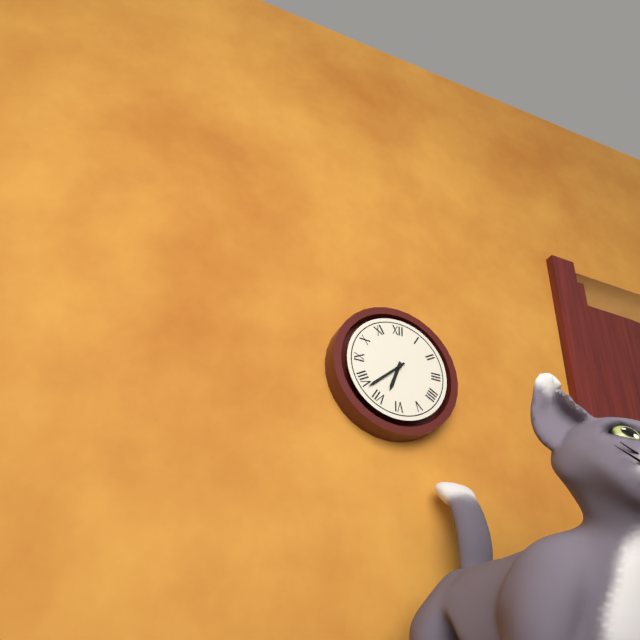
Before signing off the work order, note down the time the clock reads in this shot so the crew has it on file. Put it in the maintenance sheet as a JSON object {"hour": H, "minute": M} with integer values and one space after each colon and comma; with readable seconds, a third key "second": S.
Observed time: {"hour": 6, "minute": 38}
